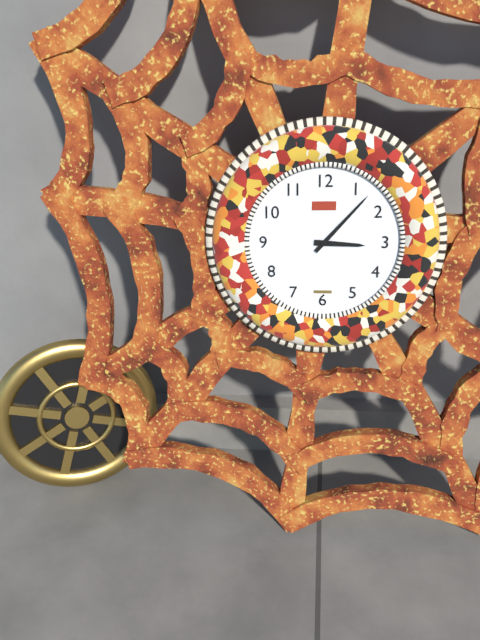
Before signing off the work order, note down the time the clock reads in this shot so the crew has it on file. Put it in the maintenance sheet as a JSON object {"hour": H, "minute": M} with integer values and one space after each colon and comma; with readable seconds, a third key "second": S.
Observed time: {"hour": 3, "minute": 7}
